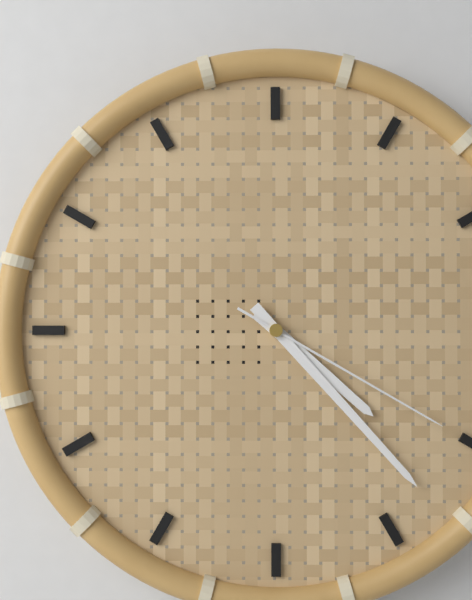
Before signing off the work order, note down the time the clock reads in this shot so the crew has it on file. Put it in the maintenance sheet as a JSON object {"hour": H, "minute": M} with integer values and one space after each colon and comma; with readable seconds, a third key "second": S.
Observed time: {"hour": 4, "minute": 23, "second": 20}
